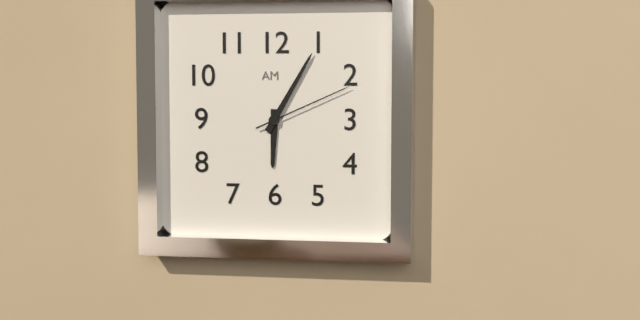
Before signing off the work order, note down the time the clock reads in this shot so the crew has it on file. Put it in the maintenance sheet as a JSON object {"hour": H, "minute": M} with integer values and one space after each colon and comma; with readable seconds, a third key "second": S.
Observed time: {"hour": 6, "minute": 5, "second": 11}
